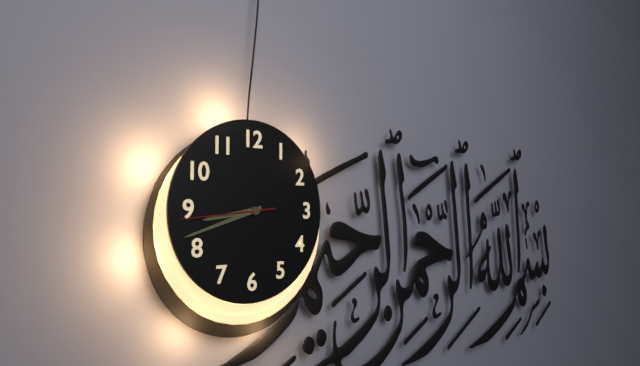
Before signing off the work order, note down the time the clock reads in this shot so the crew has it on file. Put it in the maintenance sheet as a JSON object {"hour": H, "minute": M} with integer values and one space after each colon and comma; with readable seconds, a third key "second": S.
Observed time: {"hour": 8, "minute": 42, "second": 44}
